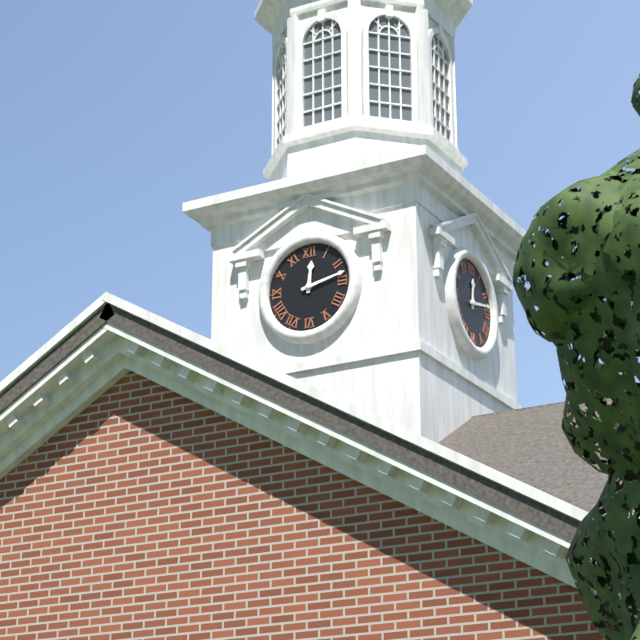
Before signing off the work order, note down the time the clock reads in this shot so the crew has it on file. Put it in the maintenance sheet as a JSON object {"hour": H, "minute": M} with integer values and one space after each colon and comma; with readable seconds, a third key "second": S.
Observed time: {"hour": 12, "minute": 13}
